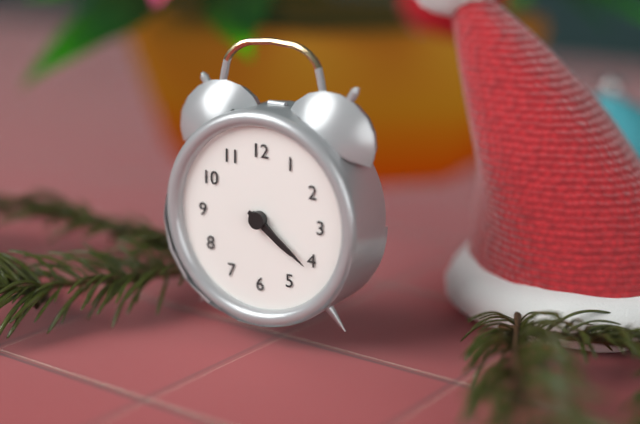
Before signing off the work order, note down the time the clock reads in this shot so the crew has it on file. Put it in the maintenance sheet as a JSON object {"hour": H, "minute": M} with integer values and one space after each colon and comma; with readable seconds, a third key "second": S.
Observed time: {"hour": 4, "minute": 21}
